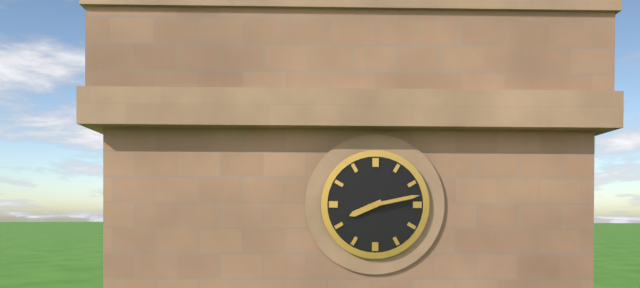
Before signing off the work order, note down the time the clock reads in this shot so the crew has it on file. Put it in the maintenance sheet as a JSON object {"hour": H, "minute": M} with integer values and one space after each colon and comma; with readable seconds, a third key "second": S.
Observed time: {"hour": 8, "minute": 13}
